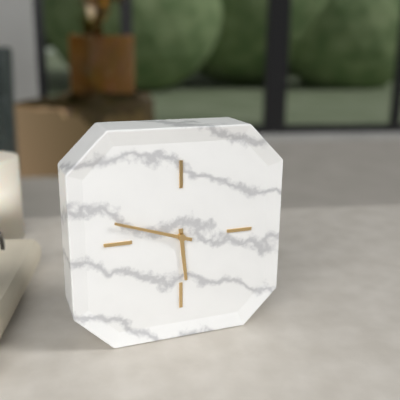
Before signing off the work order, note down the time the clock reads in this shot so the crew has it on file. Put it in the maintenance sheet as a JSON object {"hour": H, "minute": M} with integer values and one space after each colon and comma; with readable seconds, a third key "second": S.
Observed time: {"hour": 5, "minute": 48}
